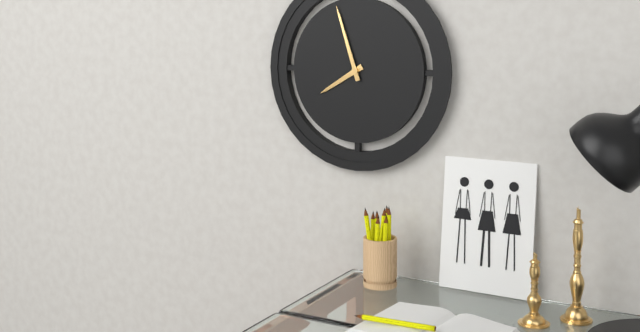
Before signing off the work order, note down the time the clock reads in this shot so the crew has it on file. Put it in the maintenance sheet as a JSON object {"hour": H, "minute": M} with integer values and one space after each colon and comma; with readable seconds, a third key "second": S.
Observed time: {"hour": 7, "minute": 57}
